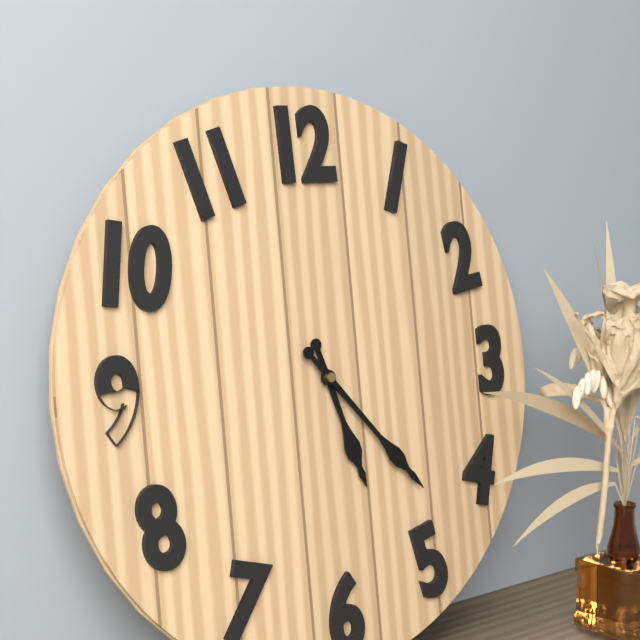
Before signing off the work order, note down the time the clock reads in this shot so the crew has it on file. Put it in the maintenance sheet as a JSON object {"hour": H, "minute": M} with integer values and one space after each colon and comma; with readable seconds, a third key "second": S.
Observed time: {"hour": 5, "minute": 23}
